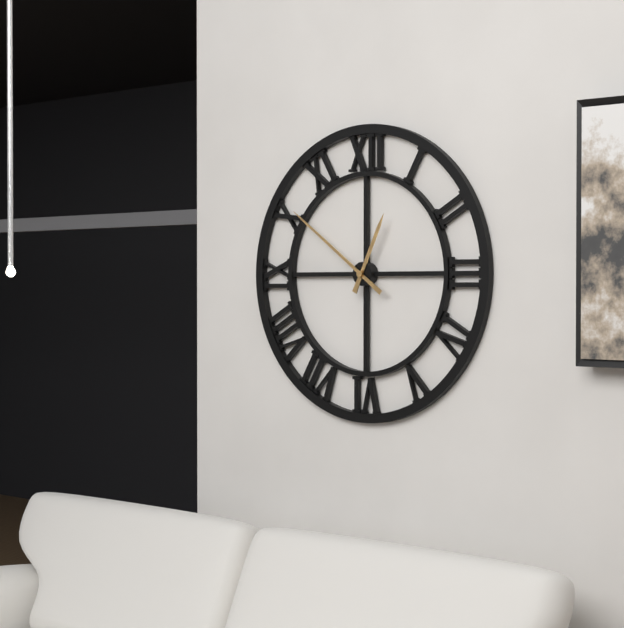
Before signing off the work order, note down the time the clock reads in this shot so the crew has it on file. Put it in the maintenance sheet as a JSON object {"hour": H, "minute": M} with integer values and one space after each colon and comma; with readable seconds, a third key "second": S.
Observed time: {"hour": 12, "minute": 51}
